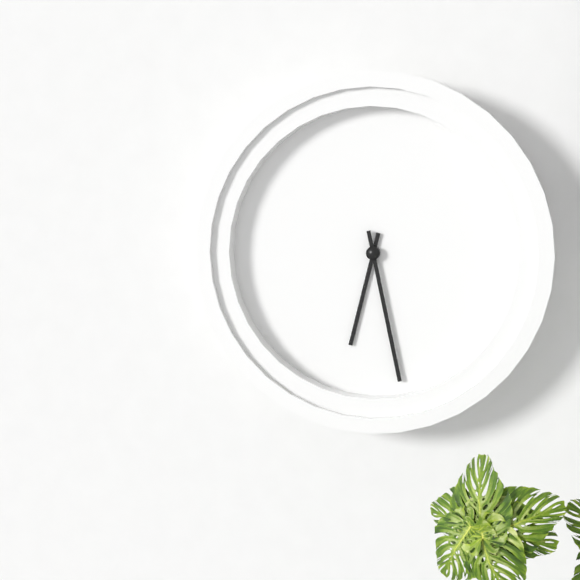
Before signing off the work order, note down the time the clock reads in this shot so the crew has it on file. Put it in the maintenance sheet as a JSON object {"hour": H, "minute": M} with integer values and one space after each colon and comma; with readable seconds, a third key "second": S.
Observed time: {"hour": 6, "minute": 28}
